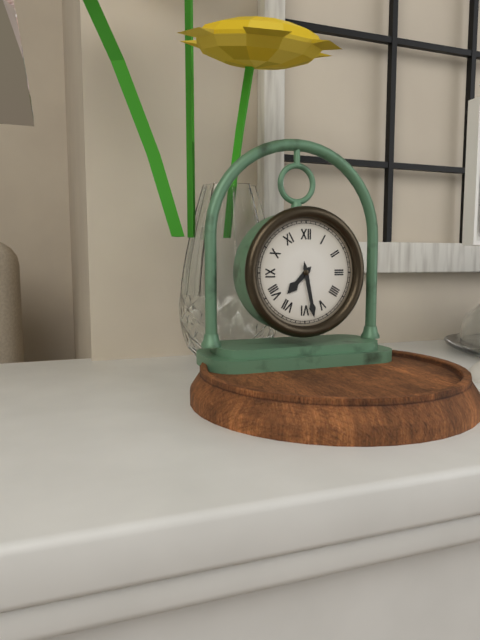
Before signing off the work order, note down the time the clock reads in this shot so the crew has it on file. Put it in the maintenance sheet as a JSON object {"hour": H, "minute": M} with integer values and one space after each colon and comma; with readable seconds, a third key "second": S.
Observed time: {"hour": 7, "minute": 28}
